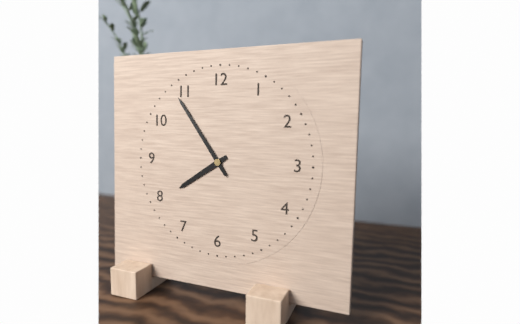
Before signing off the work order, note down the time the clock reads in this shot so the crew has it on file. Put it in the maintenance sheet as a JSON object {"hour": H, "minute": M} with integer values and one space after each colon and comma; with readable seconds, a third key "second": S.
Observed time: {"hour": 7, "minute": 54}
